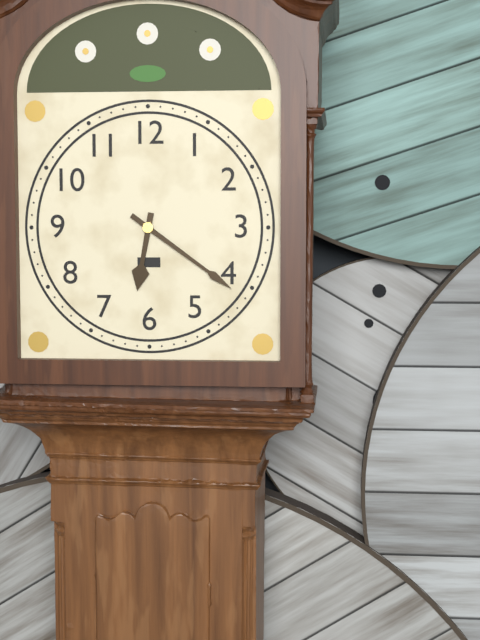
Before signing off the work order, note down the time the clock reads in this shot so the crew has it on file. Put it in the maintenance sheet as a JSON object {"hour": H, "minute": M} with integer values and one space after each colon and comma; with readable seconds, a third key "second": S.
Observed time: {"hour": 6, "minute": 21}
